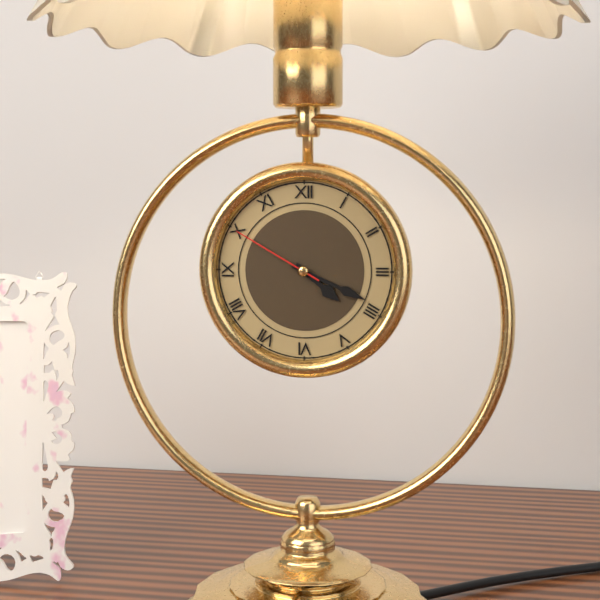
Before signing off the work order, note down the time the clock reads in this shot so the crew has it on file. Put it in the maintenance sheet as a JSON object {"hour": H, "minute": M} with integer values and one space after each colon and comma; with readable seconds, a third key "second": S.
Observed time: {"hour": 4, "minute": 19, "second": 50}
